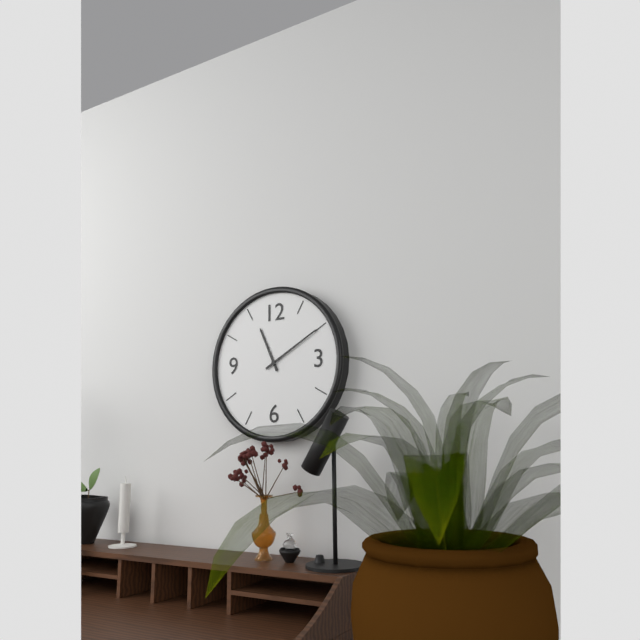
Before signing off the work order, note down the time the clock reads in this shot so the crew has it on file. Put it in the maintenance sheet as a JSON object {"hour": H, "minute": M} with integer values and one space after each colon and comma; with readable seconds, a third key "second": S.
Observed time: {"hour": 11, "minute": 10}
